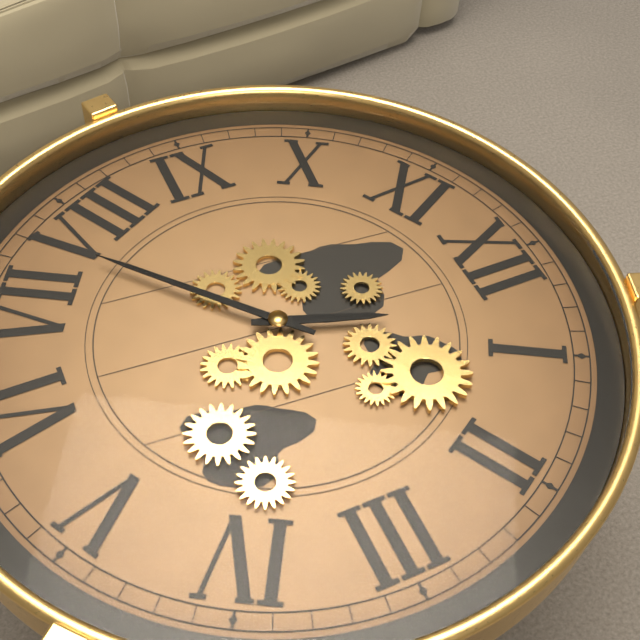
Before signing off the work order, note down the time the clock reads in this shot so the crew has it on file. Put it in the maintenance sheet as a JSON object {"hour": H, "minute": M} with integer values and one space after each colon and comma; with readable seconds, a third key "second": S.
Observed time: {"hour": 12, "minute": 38}
